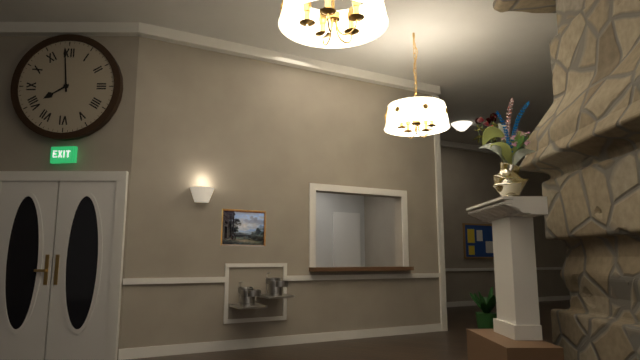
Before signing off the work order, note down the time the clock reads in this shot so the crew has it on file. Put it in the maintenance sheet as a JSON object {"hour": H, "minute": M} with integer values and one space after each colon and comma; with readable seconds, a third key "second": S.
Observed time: {"hour": 7, "minute": 59}
